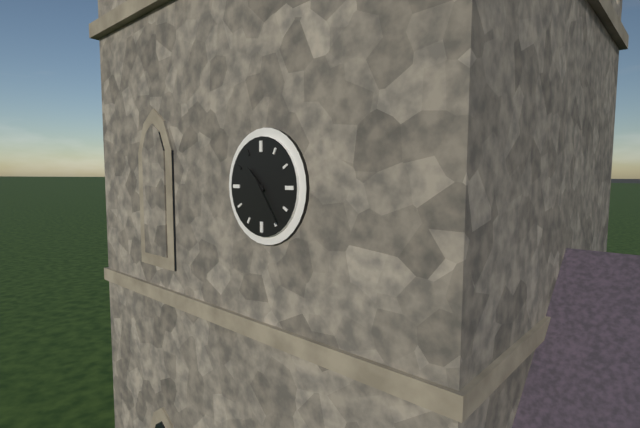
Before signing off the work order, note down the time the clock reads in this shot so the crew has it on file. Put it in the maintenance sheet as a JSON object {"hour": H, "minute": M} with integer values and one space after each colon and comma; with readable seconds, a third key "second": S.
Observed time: {"hour": 10, "minute": 24}
